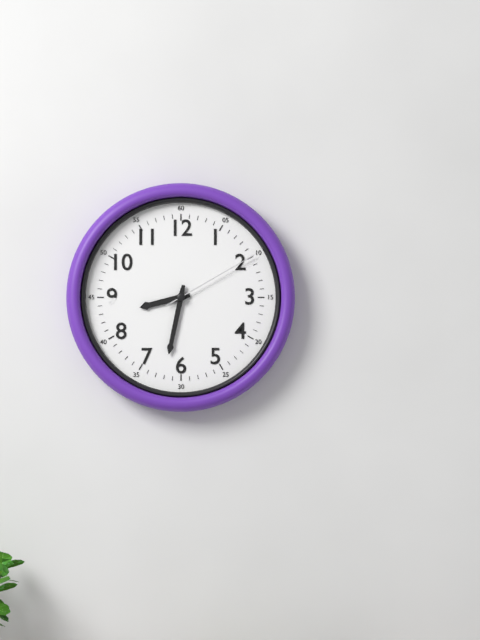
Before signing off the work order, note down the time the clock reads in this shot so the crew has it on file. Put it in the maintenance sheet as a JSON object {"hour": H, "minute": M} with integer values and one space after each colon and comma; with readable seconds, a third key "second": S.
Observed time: {"hour": 8, "minute": 32, "second": 10}
